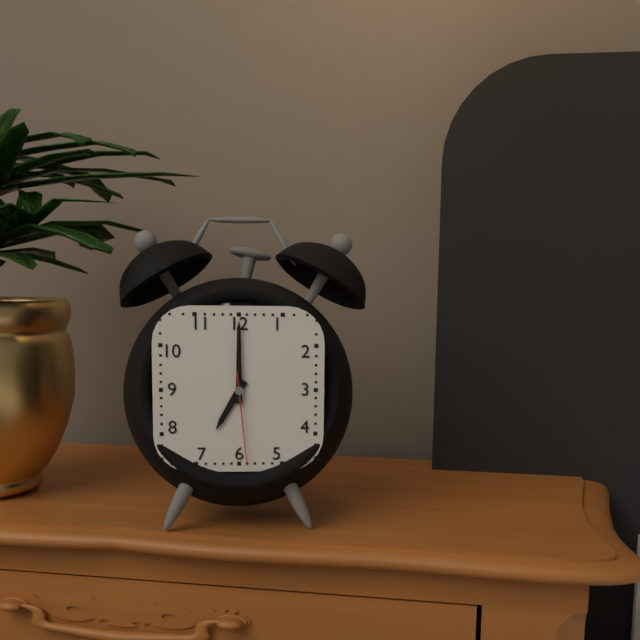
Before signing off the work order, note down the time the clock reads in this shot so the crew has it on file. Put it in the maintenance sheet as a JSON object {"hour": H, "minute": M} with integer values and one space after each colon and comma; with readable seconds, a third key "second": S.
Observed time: {"hour": 7, "minute": 0, "second": 29}
